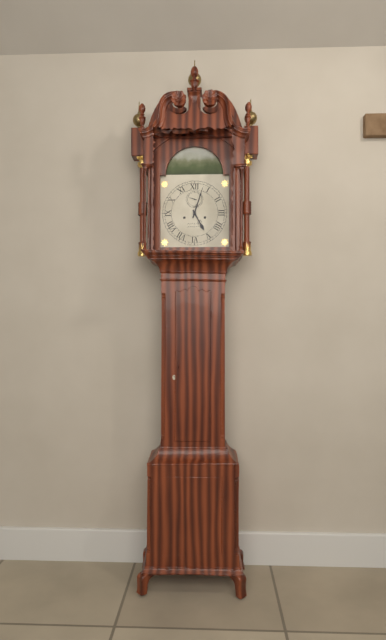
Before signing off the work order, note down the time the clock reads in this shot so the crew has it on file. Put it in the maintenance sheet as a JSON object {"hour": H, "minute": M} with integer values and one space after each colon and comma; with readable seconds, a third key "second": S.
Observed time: {"hour": 5, "minute": 3}
